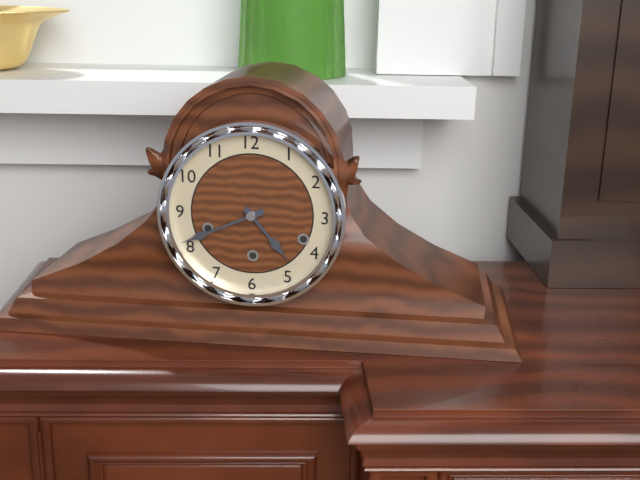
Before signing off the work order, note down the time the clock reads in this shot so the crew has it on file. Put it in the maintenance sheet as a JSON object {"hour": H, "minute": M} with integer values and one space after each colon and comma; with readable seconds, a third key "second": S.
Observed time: {"hour": 4, "minute": 41}
